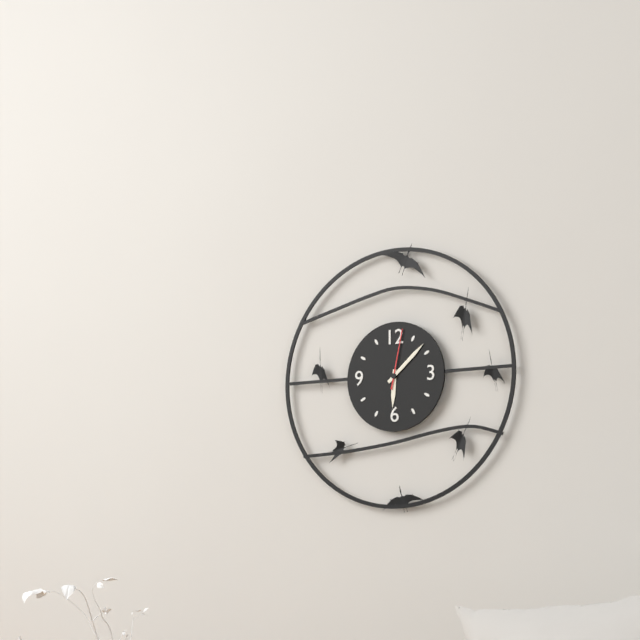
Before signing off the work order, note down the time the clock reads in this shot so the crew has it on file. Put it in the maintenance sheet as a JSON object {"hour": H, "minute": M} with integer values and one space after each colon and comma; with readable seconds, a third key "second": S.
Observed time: {"hour": 6, "minute": 8, "second": 2}
